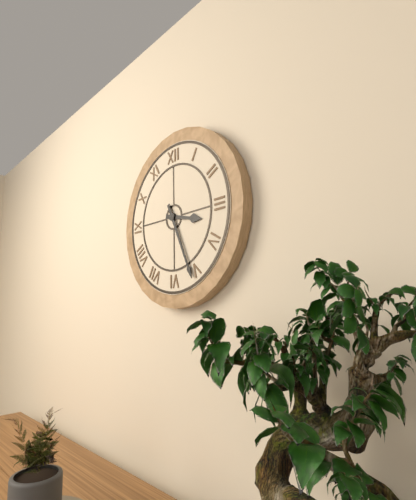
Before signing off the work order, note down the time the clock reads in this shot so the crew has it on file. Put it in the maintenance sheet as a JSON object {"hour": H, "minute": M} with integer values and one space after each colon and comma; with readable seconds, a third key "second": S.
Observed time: {"hour": 3, "minute": 26}
